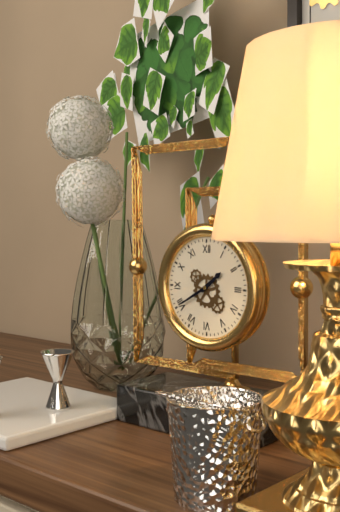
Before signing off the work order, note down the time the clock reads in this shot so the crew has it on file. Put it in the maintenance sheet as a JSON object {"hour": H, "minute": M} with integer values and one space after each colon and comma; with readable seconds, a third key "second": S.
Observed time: {"hour": 1, "minute": 40}
